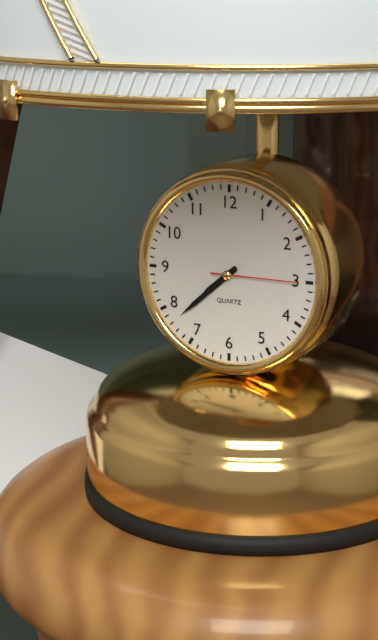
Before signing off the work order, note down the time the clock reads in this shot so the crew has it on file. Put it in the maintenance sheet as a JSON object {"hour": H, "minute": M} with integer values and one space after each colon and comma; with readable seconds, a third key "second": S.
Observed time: {"hour": 7, "minute": 38, "second": 15}
